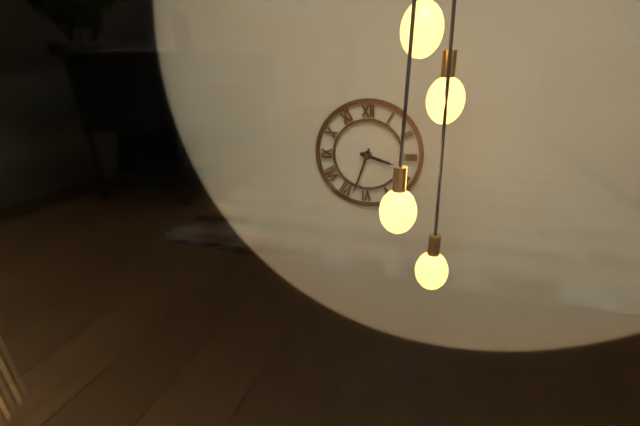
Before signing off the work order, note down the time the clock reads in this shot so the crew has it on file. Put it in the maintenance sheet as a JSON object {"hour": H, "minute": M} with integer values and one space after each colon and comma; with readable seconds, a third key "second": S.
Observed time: {"hour": 3, "minute": 33}
